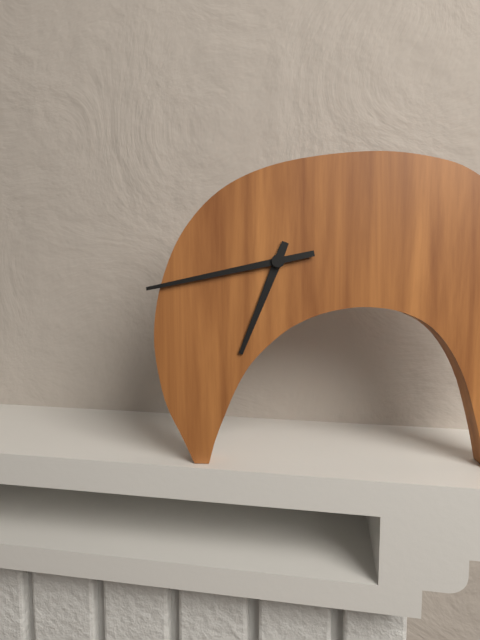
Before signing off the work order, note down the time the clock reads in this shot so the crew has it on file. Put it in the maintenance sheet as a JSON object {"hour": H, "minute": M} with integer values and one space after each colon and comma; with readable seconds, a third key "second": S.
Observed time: {"hour": 6, "minute": 43}
